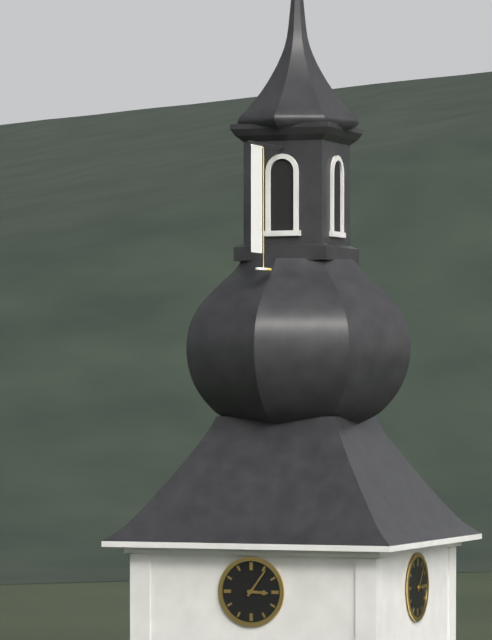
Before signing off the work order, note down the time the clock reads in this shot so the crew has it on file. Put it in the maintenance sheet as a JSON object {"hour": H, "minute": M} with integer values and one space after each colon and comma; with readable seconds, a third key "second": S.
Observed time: {"hour": 3, "minute": 6}
